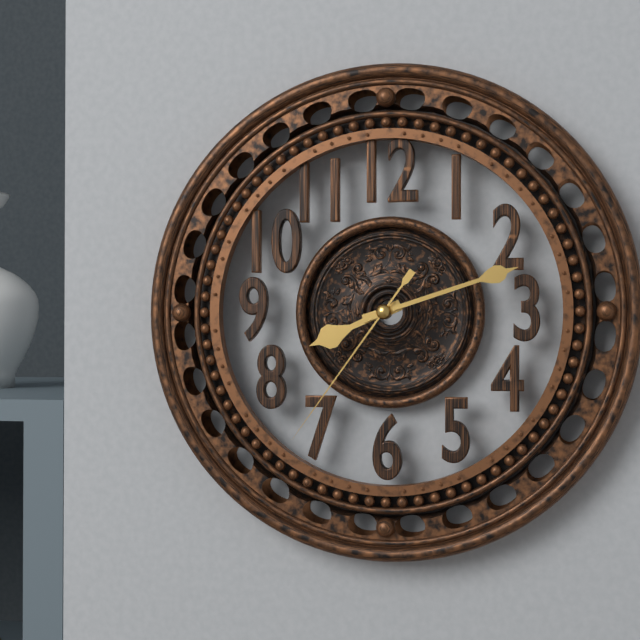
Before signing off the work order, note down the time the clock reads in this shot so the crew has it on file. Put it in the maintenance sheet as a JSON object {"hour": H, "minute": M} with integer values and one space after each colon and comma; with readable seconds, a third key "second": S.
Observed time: {"hour": 8, "minute": 12, "second": 36}
